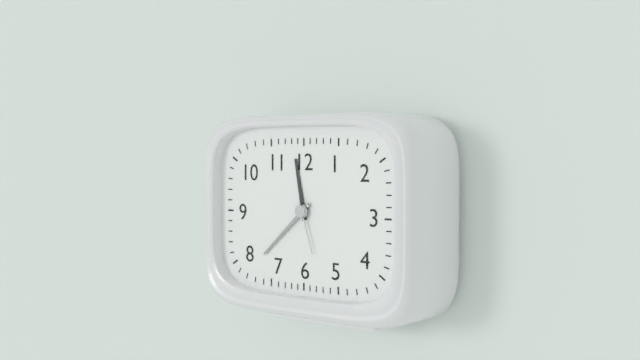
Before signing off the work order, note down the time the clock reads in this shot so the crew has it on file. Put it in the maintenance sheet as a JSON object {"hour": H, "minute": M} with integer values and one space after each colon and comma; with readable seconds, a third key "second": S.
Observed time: {"hour": 11, "minute": 38, "second": 27}
